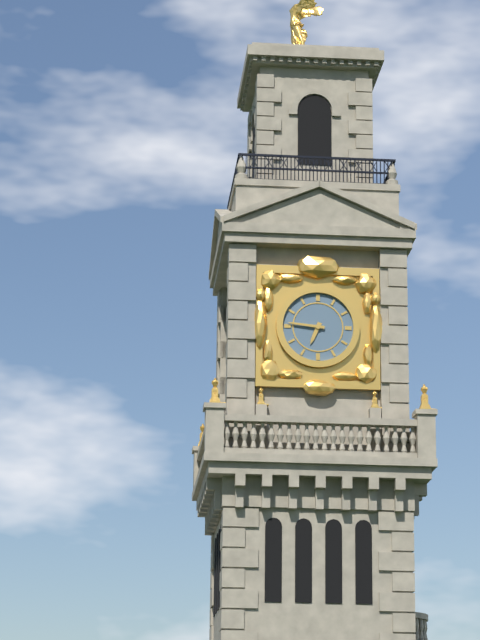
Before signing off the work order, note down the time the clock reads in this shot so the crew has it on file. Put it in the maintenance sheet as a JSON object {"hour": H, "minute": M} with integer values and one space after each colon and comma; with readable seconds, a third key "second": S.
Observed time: {"hour": 6, "minute": 46}
